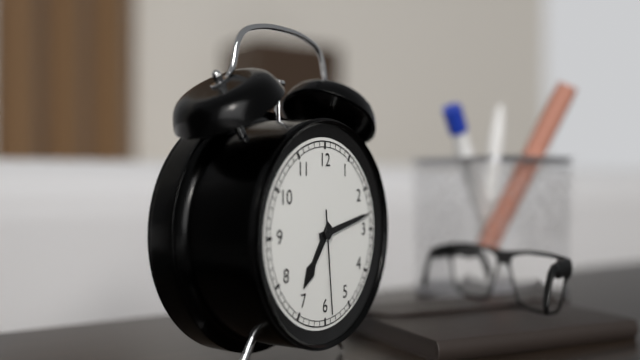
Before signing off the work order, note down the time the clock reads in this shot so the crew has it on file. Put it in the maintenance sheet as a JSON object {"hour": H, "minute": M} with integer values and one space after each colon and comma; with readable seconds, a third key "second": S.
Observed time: {"hour": 7, "minute": 13, "second": 29}
